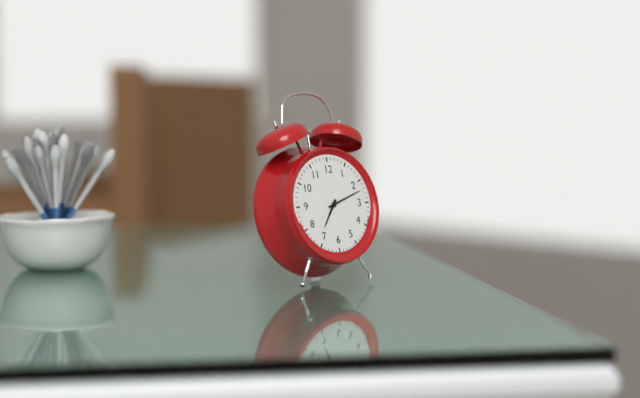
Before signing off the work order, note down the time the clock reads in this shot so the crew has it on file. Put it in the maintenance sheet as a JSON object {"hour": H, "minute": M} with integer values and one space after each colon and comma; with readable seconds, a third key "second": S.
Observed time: {"hour": 7, "minute": 12}
